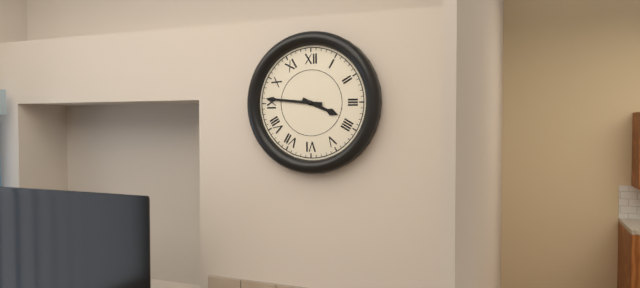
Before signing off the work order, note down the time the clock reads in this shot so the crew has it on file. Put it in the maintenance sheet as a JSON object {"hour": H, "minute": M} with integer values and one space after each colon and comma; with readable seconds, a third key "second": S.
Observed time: {"hour": 3, "minute": 46}
